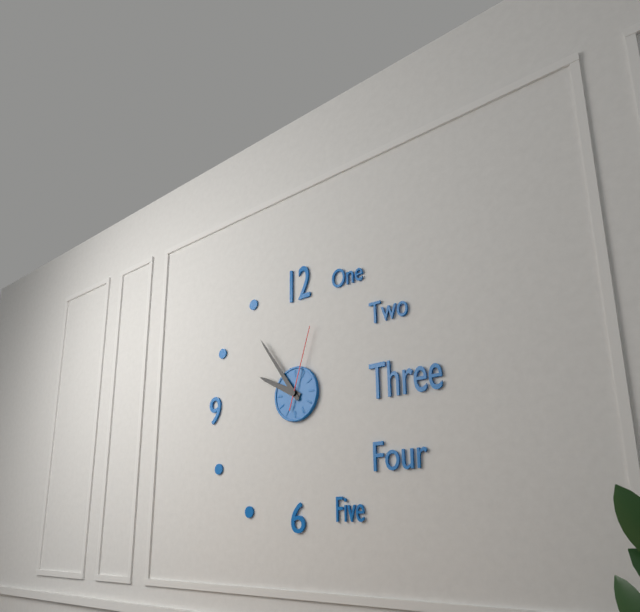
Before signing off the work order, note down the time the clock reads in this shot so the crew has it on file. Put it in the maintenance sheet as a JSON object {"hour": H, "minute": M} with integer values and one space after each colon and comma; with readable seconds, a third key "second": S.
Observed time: {"hour": 9, "minute": 54, "second": 3}
